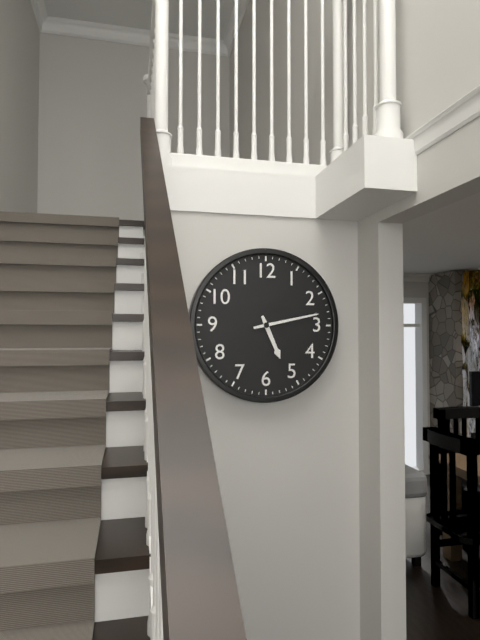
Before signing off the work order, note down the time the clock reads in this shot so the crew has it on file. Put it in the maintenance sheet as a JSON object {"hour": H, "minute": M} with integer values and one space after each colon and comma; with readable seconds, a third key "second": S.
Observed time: {"hour": 5, "minute": 13}
